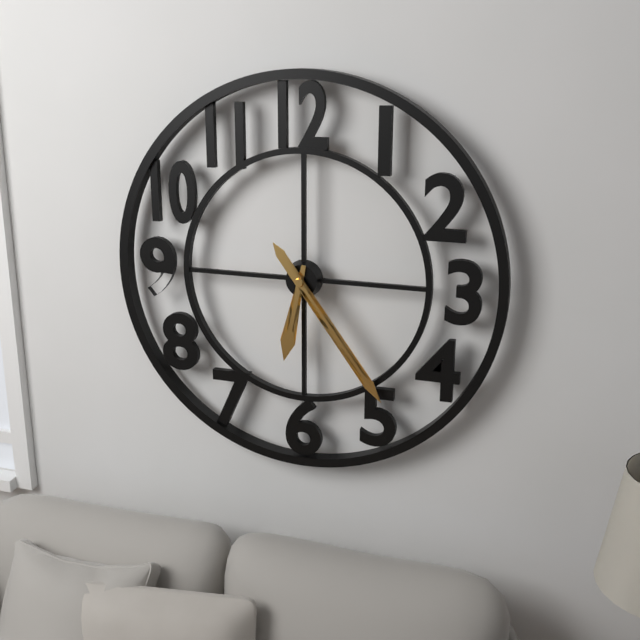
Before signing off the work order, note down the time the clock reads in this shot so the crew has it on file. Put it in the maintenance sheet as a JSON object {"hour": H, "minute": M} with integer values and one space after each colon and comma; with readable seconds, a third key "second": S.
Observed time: {"hour": 6, "minute": 24}
